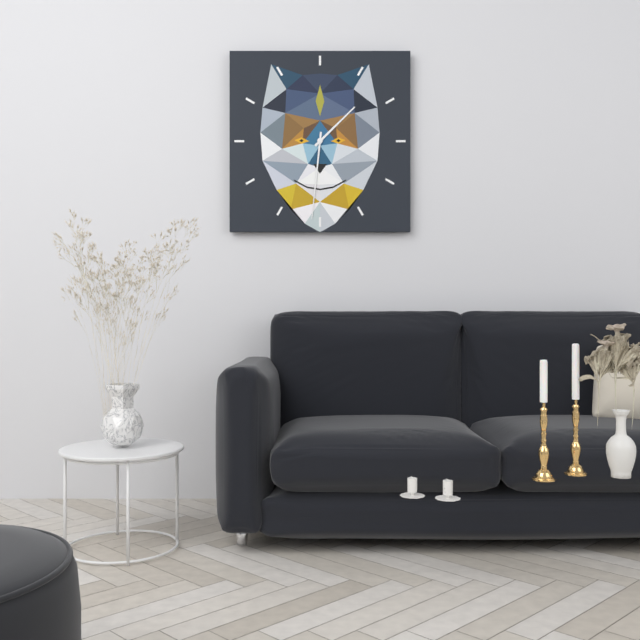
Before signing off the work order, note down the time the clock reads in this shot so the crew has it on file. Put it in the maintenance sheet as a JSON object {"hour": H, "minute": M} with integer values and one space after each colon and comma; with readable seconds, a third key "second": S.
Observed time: {"hour": 1, "minute": 31}
